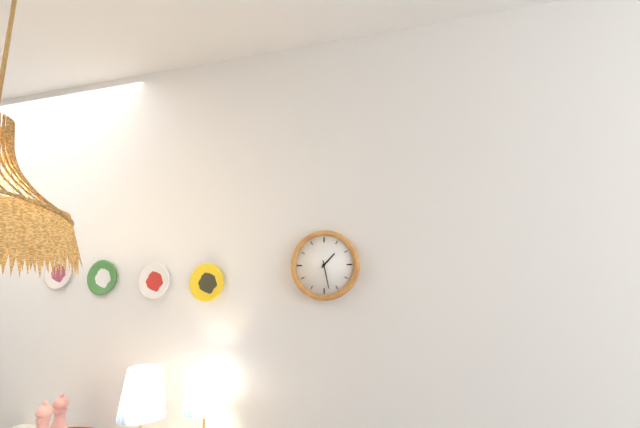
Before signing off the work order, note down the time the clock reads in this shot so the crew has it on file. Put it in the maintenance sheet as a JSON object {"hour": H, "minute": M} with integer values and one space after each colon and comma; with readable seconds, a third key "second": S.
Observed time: {"hour": 1, "minute": 28}
